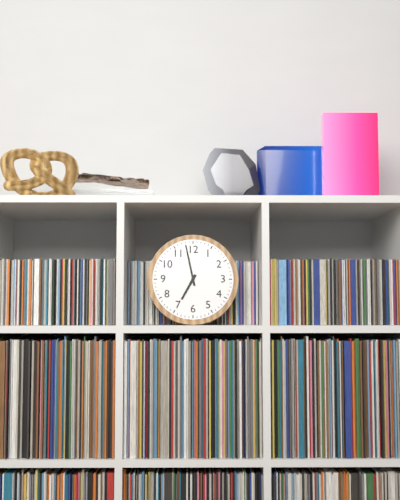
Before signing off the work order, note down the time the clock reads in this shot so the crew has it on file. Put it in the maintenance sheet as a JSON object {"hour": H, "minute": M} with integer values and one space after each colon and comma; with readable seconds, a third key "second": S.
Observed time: {"hour": 6, "minute": 58}
